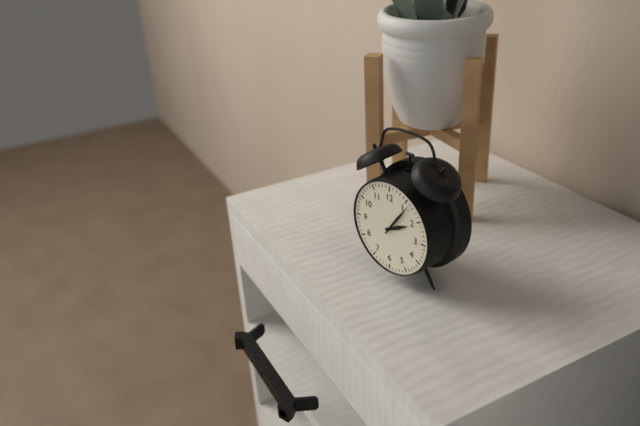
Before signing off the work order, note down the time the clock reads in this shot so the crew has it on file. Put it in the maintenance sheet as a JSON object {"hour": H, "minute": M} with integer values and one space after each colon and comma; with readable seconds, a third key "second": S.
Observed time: {"hour": 2, "minute": 6}
